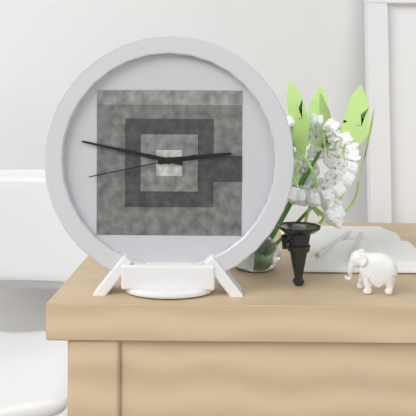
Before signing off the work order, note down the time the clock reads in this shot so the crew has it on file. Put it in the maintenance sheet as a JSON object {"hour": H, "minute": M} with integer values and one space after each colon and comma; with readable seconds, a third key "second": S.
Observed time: {"hour": 2, "minute": 47, "second": 43}
